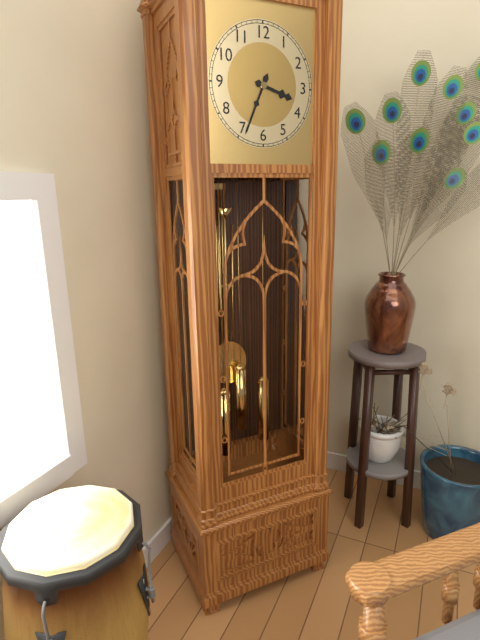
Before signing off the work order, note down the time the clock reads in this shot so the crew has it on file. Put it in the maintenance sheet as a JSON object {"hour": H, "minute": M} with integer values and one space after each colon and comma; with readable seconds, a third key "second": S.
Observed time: {"hour": 3, "minute": 34}
